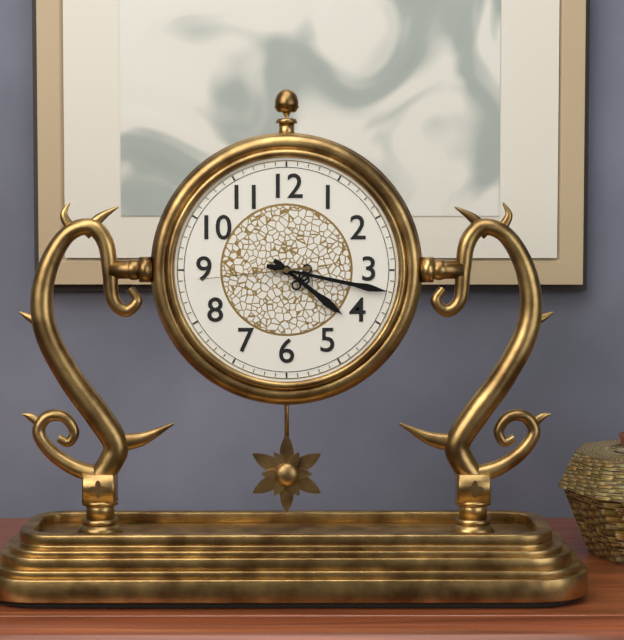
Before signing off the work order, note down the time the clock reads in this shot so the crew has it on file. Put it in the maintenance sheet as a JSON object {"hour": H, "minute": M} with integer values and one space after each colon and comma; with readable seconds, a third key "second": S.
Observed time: {"hour": 4, "minute": 17, "second": 44}
